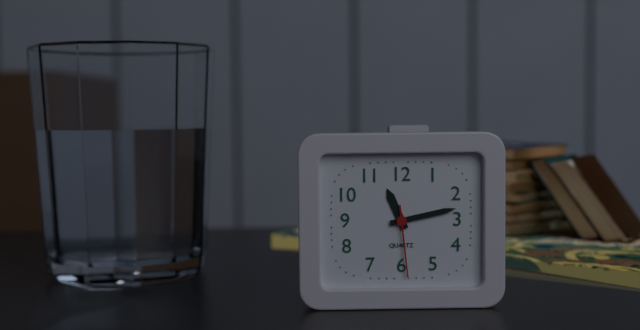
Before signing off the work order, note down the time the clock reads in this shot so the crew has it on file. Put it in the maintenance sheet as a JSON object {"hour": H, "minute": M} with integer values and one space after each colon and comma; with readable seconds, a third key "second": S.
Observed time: {"hour": 11, "minute": 13, "second": 29}
